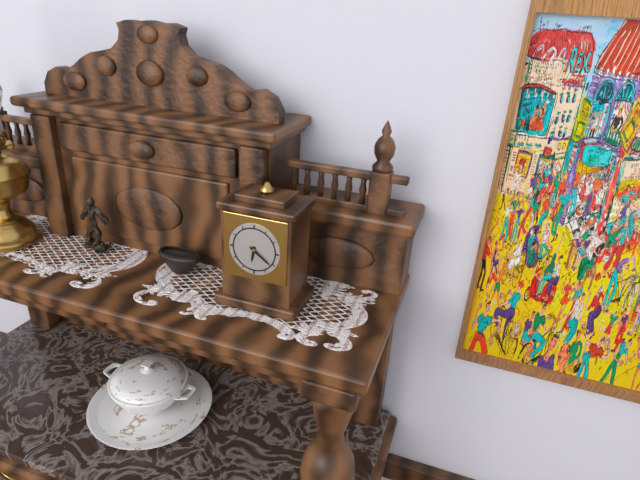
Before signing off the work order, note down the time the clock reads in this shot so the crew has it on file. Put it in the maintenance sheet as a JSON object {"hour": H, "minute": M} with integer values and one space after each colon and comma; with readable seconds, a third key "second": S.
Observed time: {"hour": 6, "minute": 21}
